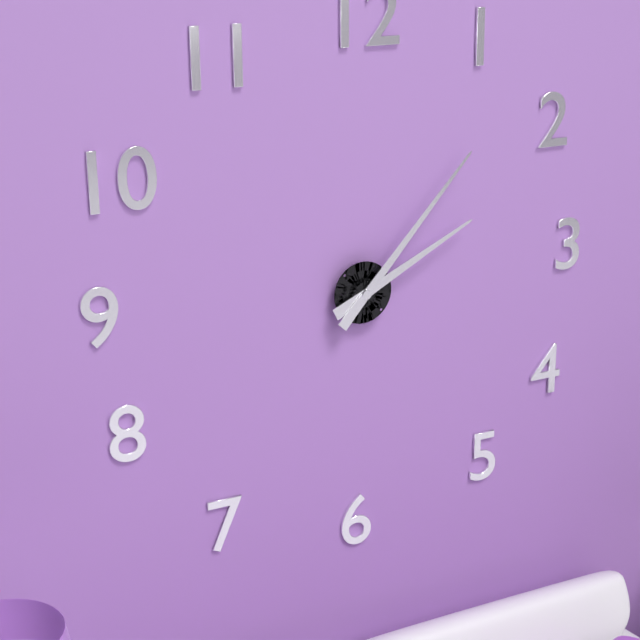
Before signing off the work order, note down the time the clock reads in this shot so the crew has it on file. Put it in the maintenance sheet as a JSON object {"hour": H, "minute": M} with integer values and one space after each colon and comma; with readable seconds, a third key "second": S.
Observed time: {"hour": 2, "minute": 7}
